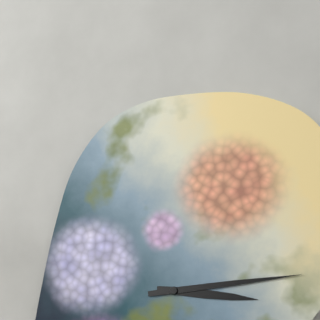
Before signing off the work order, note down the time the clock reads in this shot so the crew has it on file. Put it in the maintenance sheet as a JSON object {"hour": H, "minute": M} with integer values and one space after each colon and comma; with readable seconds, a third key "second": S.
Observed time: {"hour": 3, "minute": 14}
